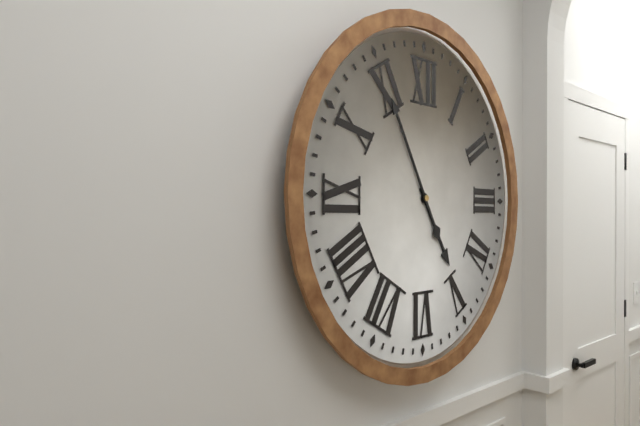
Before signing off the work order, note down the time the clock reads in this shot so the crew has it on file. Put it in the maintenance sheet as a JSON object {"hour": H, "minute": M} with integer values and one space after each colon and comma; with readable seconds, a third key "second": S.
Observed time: {"hour": 4, "minute": 55}
